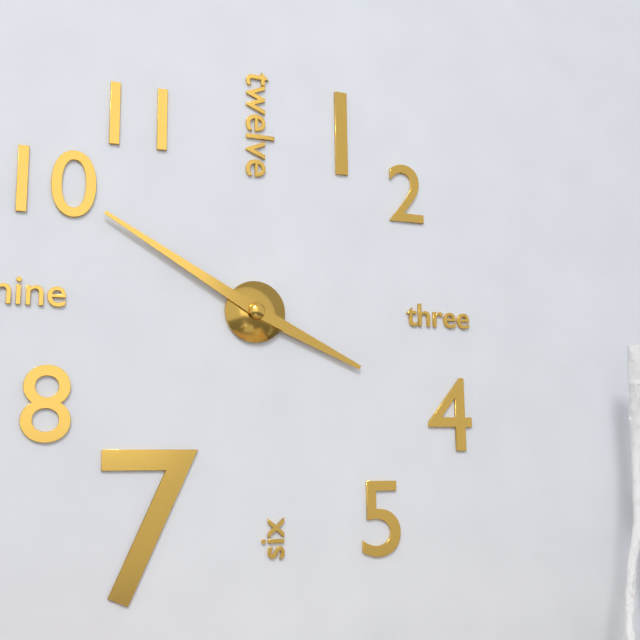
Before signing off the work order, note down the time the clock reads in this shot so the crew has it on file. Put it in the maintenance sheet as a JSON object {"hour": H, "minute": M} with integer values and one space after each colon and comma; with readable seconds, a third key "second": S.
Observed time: {"hour": 3, "minute": 50}
